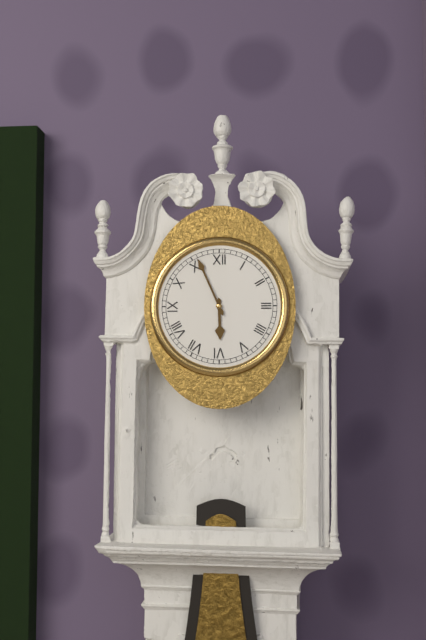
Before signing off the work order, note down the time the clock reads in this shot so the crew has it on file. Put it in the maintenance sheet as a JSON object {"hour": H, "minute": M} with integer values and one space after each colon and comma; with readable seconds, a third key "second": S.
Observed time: {"hour": 5, "minute": 56}
